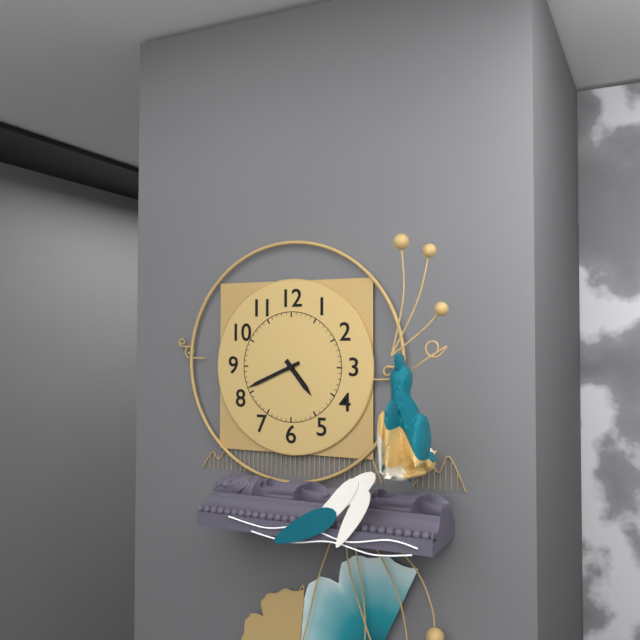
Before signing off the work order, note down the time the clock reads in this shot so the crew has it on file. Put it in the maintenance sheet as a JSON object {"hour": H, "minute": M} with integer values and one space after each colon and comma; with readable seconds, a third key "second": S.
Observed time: {"hour": 4, "minute": 41}
